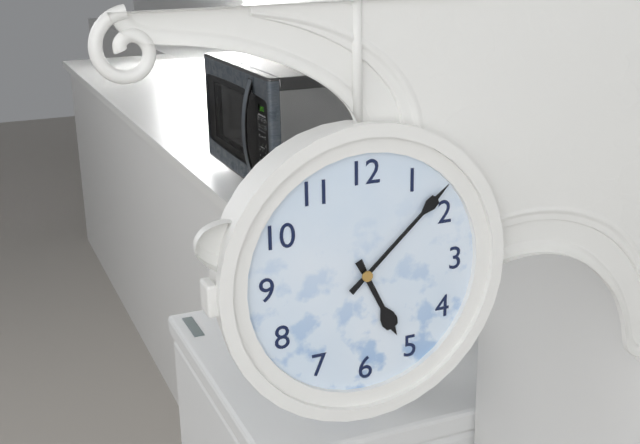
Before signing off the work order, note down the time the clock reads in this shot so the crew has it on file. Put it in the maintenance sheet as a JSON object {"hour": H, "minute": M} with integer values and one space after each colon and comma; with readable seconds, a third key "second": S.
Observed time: {"hour": 5, "minute": 8}
